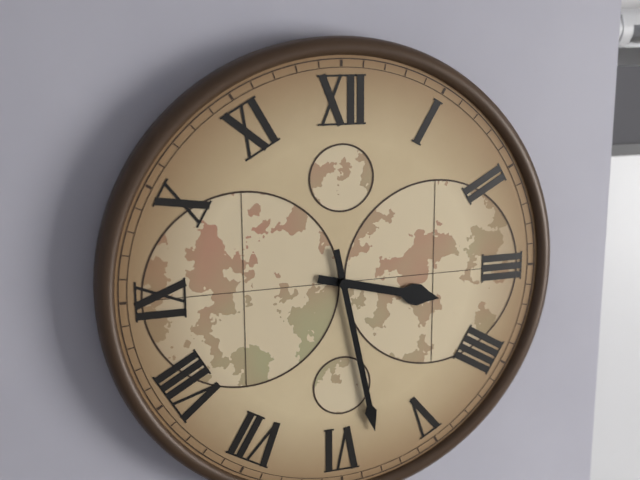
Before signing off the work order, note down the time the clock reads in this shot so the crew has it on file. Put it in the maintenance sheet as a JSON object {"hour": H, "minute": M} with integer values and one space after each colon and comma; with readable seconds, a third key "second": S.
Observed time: {"hour": 3, "minute": 28}
